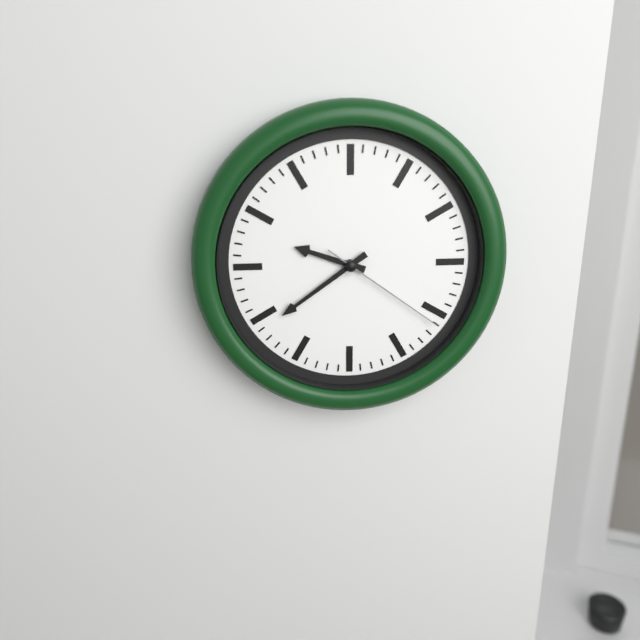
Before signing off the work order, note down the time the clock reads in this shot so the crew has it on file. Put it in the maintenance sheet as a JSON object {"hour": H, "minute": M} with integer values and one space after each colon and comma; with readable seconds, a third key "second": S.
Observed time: {"hour": 9, "minute": 39, "second": 21}
